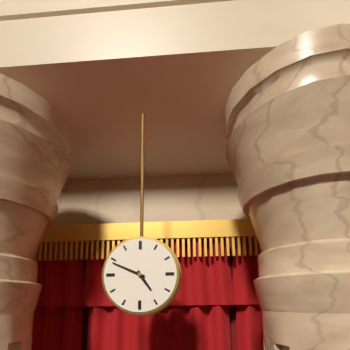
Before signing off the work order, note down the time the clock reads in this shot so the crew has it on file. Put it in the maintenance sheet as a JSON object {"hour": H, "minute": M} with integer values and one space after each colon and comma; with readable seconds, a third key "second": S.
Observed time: {"hour": 4, "minute": 49}
